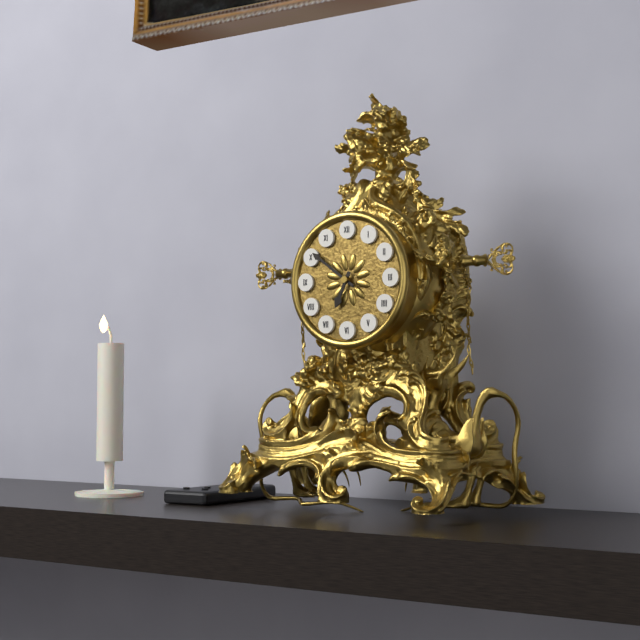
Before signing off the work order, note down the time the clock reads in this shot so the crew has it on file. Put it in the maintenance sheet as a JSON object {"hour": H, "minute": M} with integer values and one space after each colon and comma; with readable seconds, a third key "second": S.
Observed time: {"hour": 6, "minute": 51}
